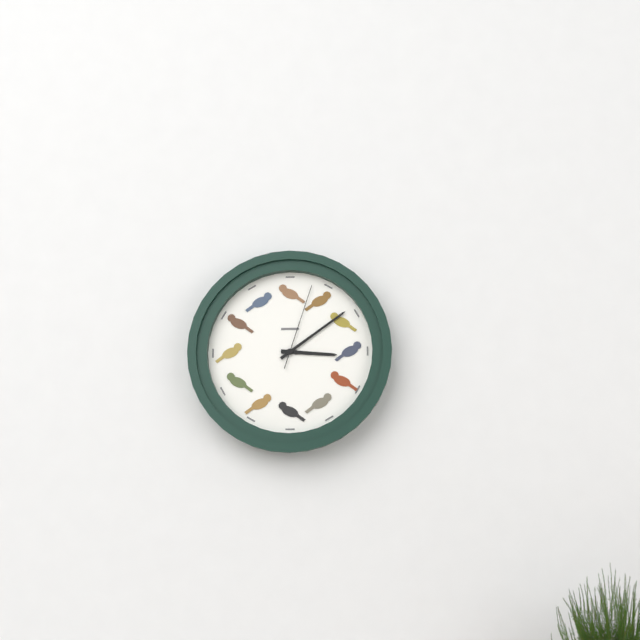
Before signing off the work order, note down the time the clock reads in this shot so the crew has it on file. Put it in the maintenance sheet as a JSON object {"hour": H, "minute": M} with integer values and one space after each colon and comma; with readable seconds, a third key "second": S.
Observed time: {"hour": 3, "minute": 9, "second": 3}
